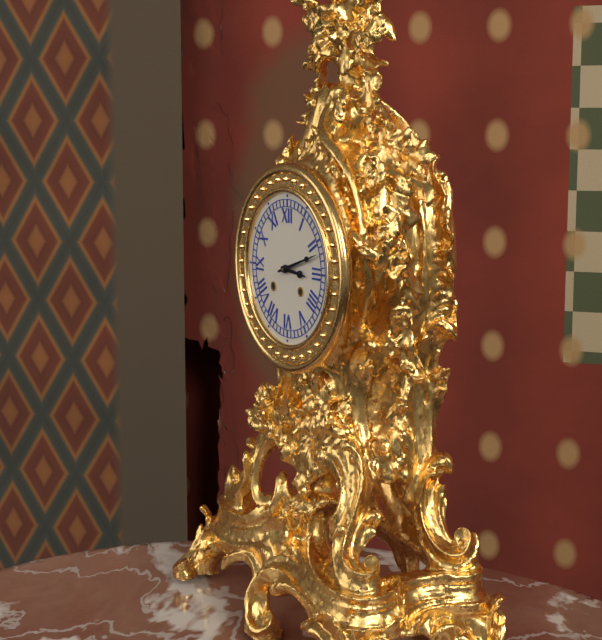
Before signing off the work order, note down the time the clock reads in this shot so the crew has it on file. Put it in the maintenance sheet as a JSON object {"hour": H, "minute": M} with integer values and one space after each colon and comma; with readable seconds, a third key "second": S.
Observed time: {"hour": 3, "minute": 12}
